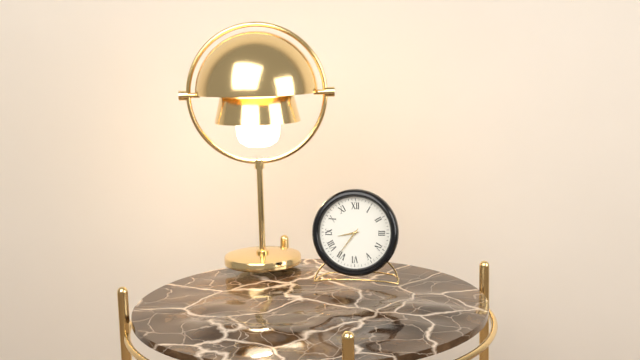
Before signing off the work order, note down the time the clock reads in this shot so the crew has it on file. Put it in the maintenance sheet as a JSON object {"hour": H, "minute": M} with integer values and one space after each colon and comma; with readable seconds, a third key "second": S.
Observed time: {"hour": 8, "minute": 36}
